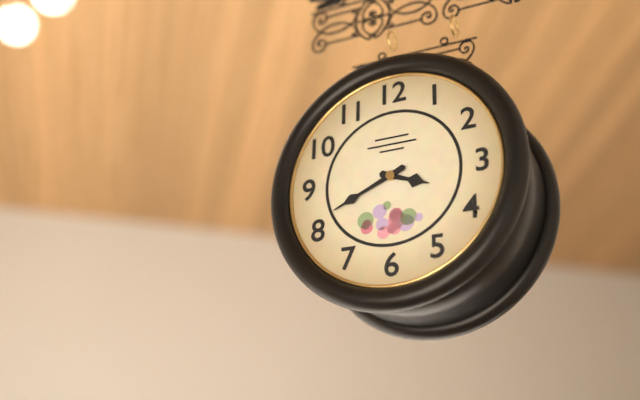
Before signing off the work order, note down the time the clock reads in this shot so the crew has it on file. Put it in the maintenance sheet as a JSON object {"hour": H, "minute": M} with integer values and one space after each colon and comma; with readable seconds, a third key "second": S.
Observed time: {"hour": 3, "minute": 41}
